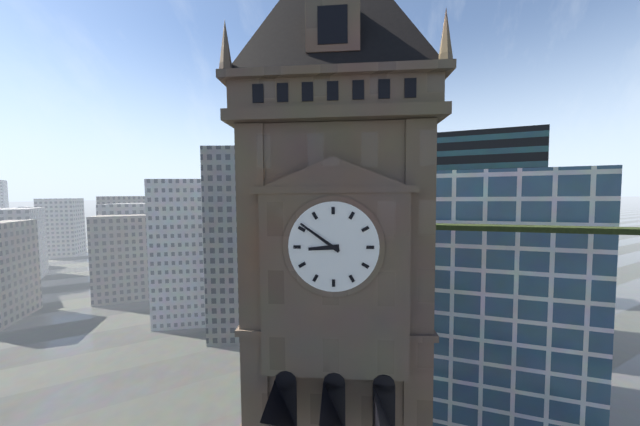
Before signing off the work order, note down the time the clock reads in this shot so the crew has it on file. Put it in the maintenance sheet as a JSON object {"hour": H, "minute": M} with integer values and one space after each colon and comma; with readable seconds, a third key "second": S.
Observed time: {"hour": 8, "minute": 51}
